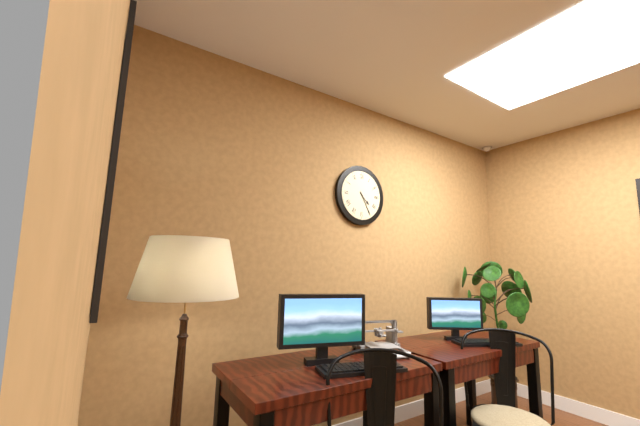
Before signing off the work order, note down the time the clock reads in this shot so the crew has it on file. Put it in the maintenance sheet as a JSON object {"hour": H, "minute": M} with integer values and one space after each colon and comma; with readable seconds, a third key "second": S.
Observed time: {"hour": 4, "minute": 25}
